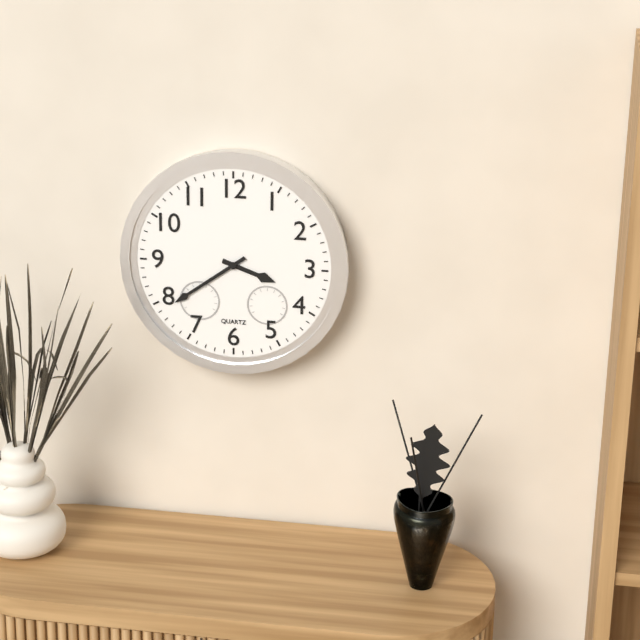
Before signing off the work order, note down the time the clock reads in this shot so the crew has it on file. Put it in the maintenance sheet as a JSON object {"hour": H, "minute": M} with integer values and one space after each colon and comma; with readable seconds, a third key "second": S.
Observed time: {"hour": 3, "minute": 39}
